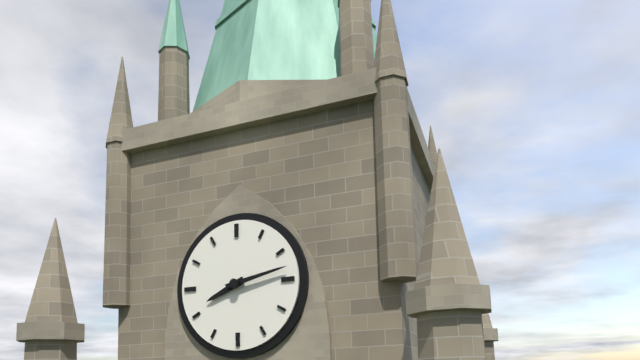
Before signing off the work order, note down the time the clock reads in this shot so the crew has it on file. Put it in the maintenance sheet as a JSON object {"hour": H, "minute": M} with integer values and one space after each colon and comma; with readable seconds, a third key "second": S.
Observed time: {"hour": 8, "minute": 13}
